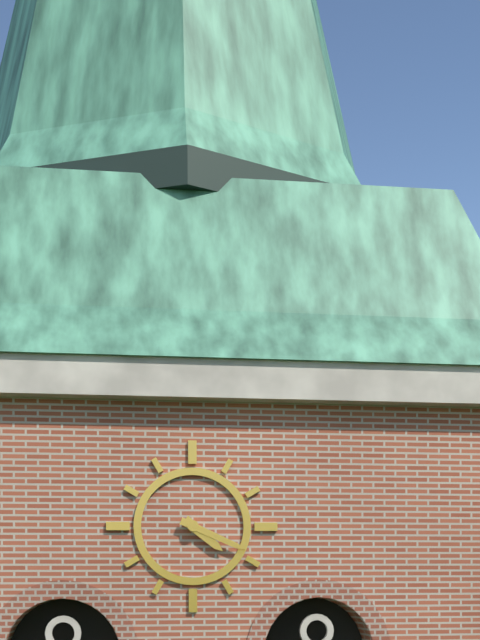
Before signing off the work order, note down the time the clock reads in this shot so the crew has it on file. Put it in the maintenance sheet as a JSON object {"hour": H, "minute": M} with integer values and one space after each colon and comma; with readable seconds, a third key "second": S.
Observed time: {"hour": 4, "minute": 19}
